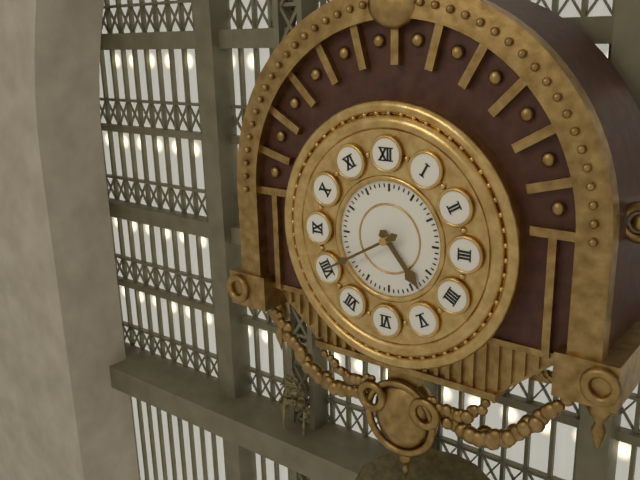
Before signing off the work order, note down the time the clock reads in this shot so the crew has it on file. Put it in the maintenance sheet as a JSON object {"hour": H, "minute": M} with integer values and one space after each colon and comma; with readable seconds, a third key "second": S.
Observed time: {"hour": 4, "minute": 40}
